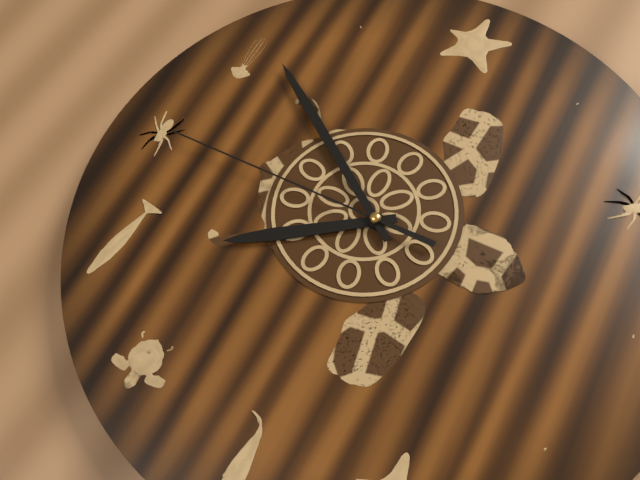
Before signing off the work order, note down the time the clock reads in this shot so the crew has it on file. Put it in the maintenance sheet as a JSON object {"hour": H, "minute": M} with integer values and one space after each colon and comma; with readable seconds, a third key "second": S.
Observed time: {"hour": 7, "minute": 51, "second": 45}
